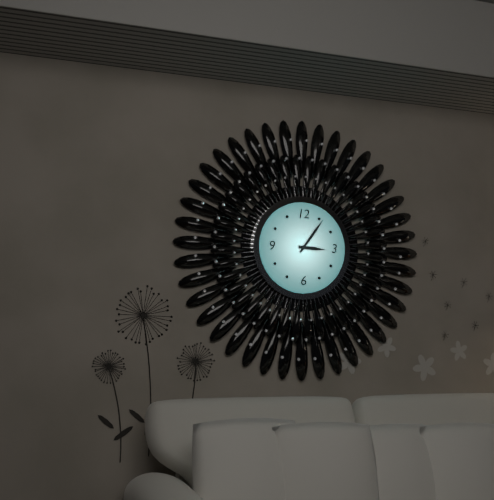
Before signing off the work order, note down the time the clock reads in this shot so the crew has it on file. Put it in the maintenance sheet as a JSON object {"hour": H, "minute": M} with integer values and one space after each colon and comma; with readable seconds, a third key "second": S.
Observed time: {"hour": 3, "minute": 6}
